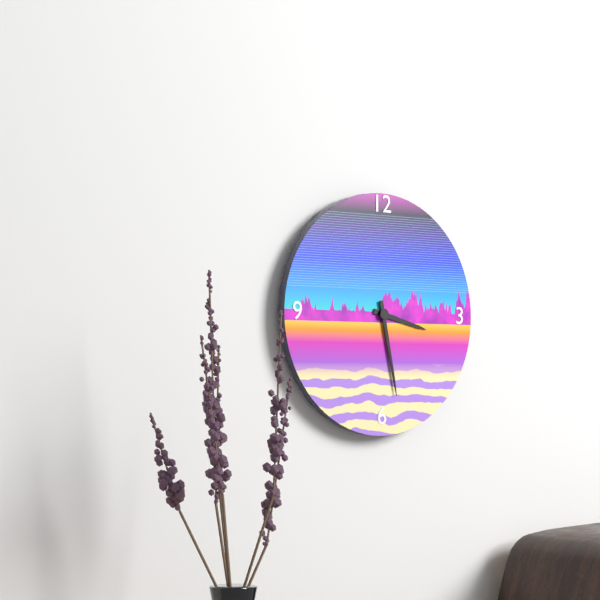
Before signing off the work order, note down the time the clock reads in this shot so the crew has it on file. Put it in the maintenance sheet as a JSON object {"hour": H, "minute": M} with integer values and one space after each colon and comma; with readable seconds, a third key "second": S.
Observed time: {"hour": 3, "minute": 28}
